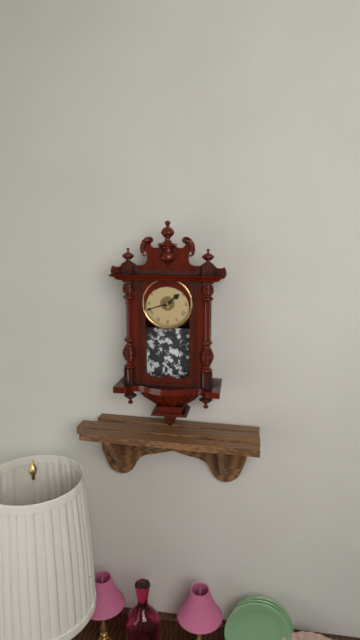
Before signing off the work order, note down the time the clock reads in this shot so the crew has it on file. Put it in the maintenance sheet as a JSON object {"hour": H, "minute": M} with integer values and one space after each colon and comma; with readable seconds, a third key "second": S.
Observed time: {"hour": 1, "minute": 42}
